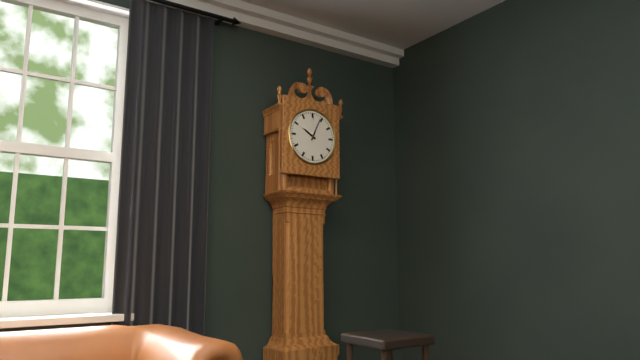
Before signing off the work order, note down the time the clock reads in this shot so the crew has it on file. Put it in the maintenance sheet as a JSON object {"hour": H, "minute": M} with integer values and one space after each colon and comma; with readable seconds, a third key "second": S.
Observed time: {"hour": 10, "minute": 4}
